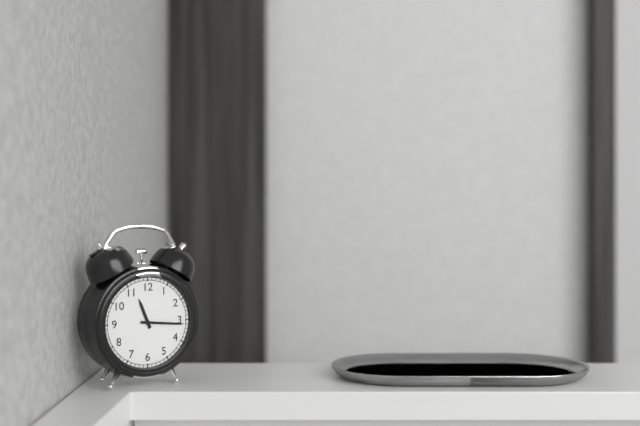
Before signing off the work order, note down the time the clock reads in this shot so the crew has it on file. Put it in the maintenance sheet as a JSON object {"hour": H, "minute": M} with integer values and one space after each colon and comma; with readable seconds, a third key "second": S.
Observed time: {"hour": 11, "minute": 16}
